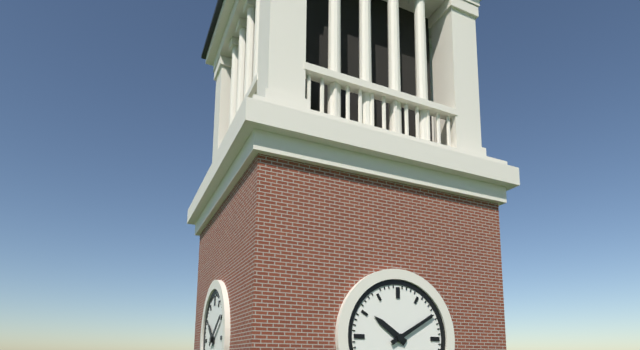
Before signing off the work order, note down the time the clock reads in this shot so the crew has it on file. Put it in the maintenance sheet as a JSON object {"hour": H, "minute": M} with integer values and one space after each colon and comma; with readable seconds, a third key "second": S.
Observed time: {"hour": 10, "minute": 10}
